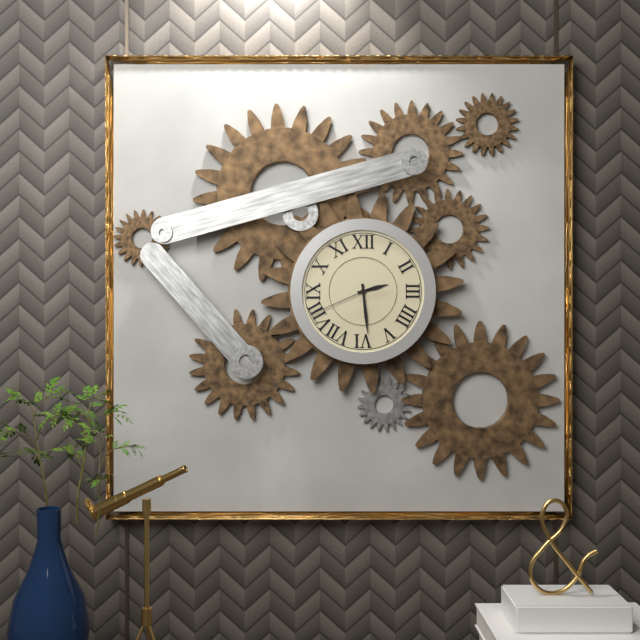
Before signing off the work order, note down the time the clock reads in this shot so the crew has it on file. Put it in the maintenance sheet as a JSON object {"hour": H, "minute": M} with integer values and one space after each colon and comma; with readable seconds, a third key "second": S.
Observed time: {"hour": 2, "minute": 29, "second": 41}
